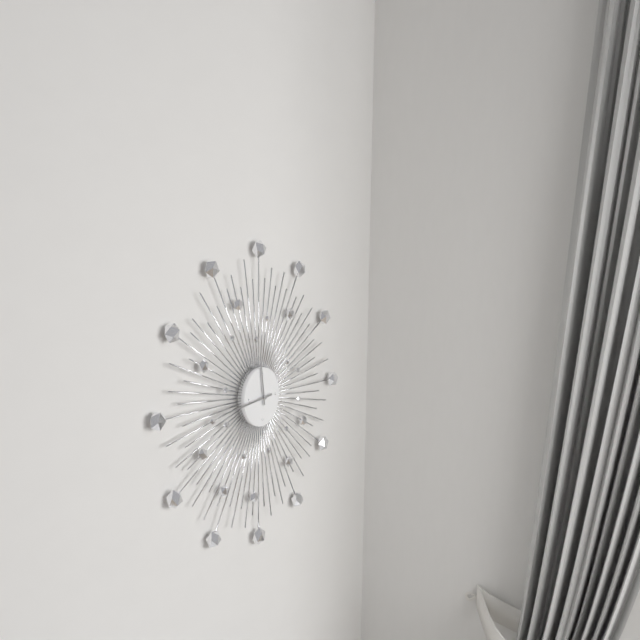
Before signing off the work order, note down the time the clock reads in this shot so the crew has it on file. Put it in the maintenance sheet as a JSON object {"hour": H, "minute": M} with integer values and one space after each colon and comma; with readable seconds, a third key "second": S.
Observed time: {"hour": 11, "minute": 44}
